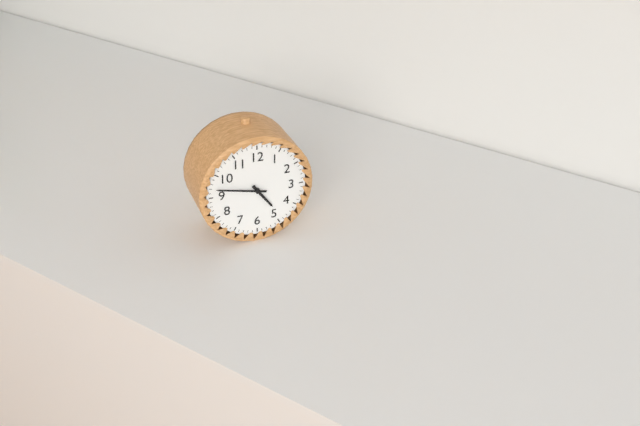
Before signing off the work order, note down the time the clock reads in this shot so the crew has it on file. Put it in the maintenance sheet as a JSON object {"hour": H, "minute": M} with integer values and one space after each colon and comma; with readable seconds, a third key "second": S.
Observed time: {"hour": 4, "minute": 47}
